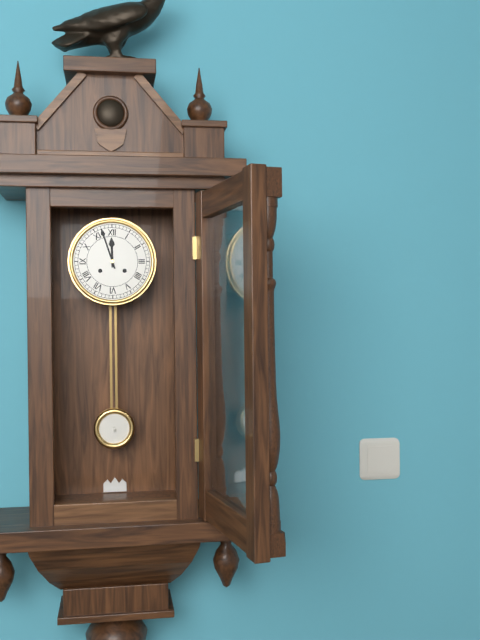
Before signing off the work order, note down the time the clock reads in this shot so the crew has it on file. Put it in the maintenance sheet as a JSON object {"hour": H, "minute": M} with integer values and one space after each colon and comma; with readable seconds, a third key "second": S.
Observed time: {"hour": 11, "minute": 57}
